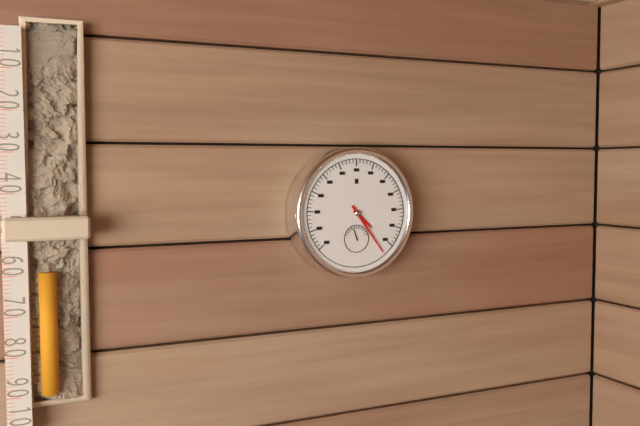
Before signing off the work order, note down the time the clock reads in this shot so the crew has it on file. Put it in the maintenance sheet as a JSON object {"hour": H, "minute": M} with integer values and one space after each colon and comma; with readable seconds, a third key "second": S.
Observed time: {"hour": 4, "minute": 24}
